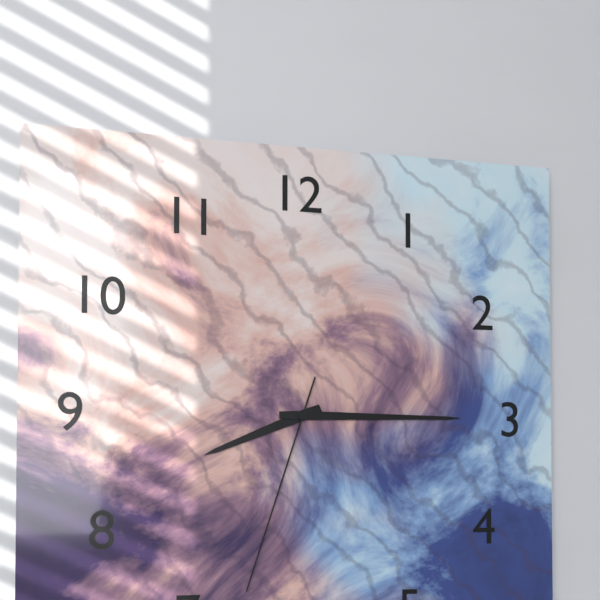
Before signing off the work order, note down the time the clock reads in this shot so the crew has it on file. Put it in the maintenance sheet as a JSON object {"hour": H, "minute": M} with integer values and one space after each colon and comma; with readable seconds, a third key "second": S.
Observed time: {"hour": 8, "minute": 15, "second": 33}
